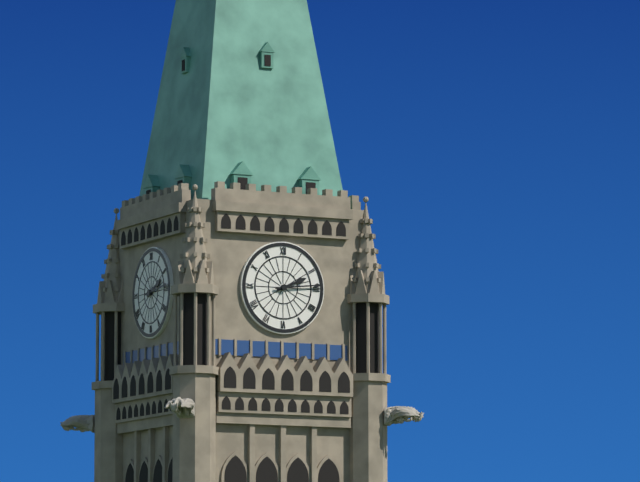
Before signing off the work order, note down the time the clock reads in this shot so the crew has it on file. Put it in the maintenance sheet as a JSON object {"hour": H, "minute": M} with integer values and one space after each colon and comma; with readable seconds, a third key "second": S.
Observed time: {"hour": 2, "minute": 14}
